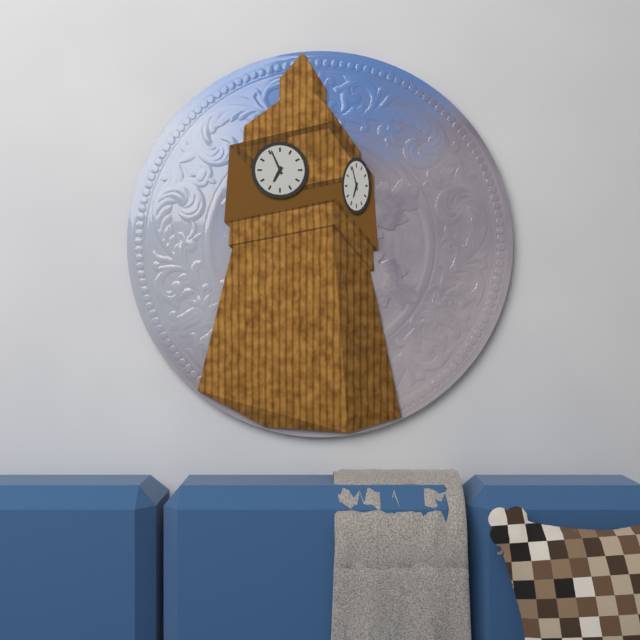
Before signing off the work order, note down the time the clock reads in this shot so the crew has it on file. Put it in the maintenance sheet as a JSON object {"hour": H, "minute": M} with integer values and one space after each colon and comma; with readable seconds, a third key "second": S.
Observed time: {"hour": 6, "minute": 56}
